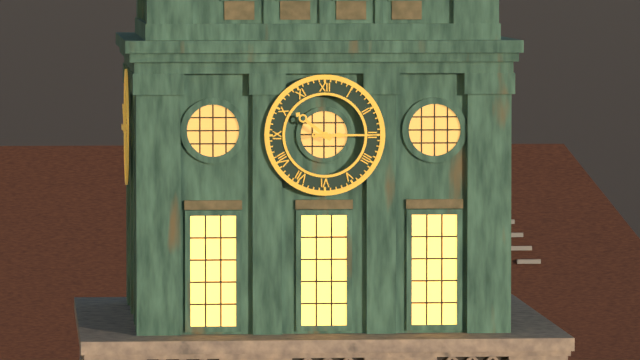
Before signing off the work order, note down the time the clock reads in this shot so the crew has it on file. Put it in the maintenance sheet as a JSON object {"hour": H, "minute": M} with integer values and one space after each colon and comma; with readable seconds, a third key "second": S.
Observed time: {"hour": 10, "minute": 15}
